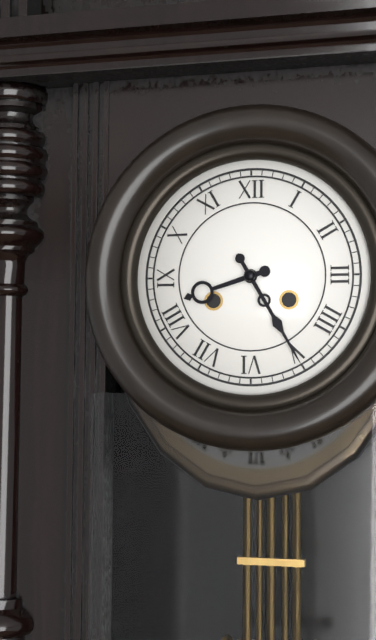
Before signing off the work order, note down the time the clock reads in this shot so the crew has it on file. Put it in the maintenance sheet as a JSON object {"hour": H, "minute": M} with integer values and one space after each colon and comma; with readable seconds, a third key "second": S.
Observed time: {"hour": 8, "minute": 25}
